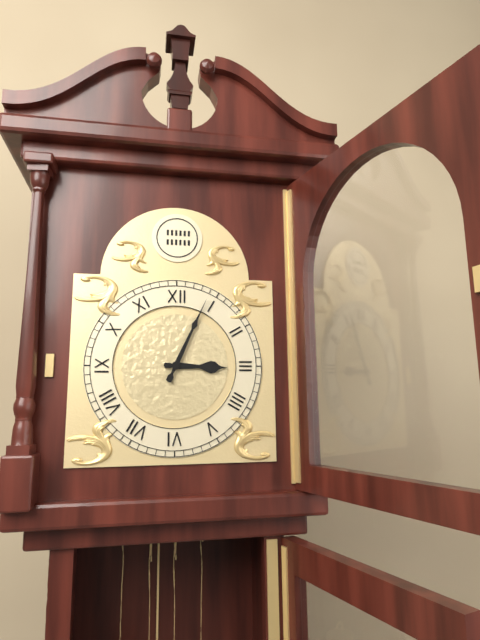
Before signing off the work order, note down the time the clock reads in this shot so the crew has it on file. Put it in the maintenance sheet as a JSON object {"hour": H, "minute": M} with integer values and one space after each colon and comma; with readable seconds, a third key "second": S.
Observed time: {"hour": 3, "minute": 4}
